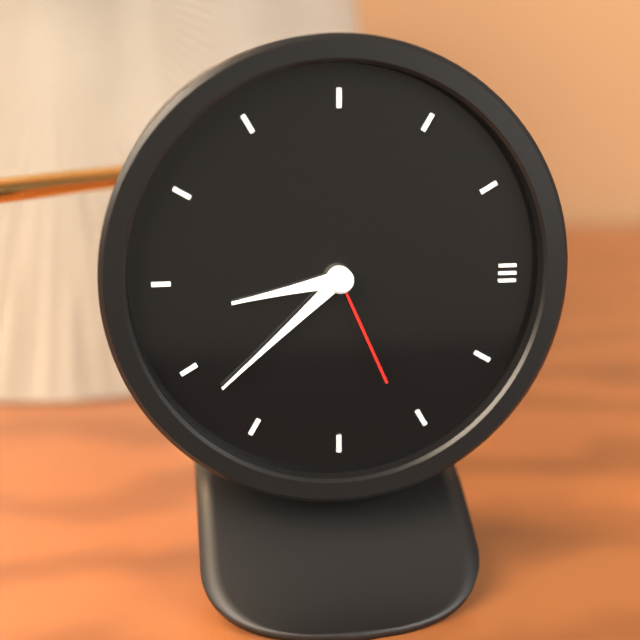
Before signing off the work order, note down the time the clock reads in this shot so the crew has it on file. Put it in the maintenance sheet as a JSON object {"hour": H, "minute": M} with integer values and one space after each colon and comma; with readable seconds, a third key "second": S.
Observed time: {"hour": 8, "minute": 38, "second": 26}
